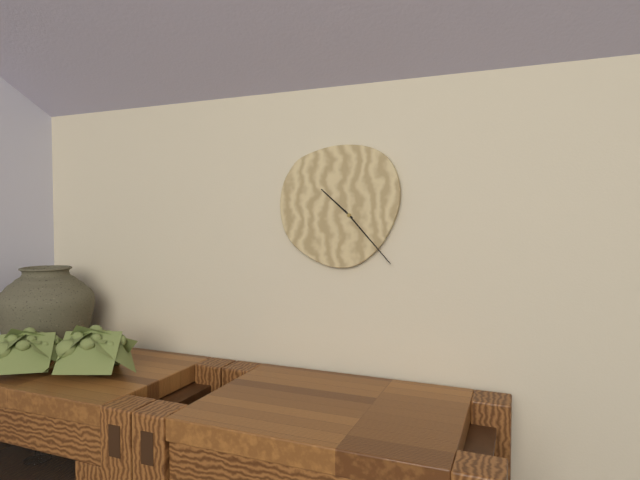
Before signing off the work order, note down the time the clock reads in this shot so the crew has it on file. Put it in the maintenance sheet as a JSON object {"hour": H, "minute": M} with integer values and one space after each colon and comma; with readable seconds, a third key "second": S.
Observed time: {"hour": 10, "minute": 23}
